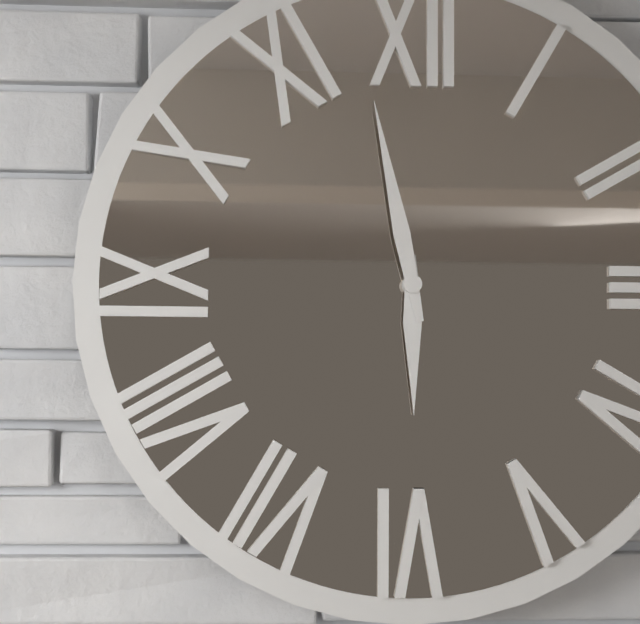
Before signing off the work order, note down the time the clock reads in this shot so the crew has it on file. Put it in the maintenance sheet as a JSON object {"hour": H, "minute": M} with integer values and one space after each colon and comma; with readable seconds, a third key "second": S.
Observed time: {"hour": 5, "minute": 58}
